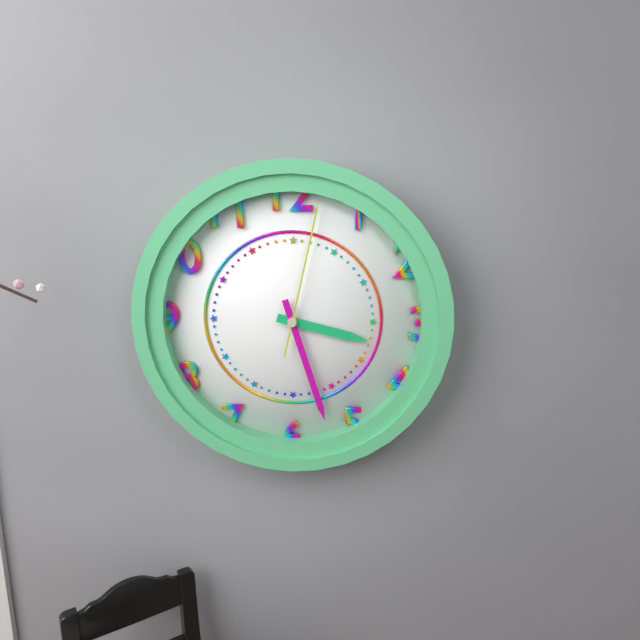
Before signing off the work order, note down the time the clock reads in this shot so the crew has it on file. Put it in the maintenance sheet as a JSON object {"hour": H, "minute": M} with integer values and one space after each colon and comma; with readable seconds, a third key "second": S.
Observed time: {"hour": 3, "minute": 27, "second": 2}
